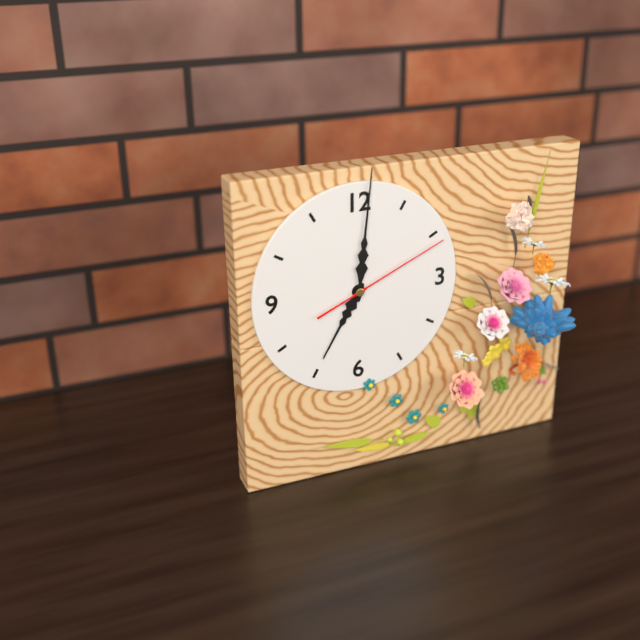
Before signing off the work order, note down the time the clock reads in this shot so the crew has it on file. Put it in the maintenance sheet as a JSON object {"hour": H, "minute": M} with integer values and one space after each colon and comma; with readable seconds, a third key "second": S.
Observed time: {"hour": 7, "minute": 1, "second": 11}
